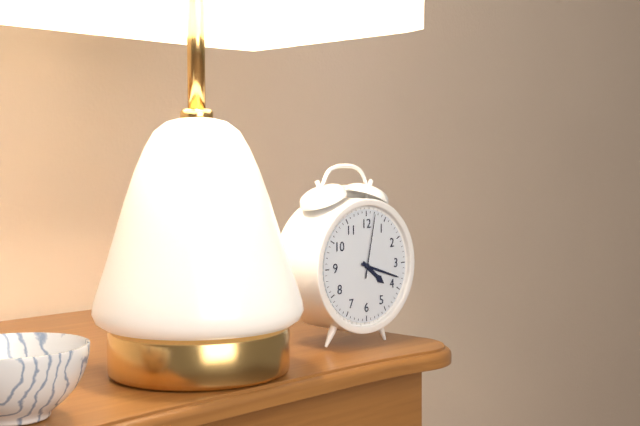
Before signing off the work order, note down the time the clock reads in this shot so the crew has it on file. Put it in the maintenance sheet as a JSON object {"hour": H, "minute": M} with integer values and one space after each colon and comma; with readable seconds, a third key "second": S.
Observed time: {"hour": 4, "minute": 18, "second": 2}
